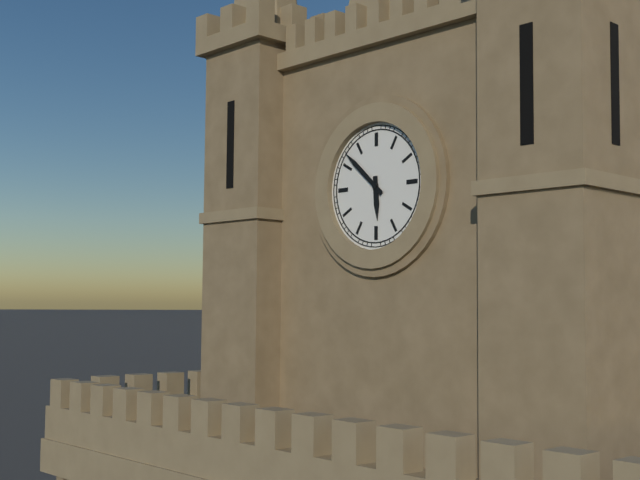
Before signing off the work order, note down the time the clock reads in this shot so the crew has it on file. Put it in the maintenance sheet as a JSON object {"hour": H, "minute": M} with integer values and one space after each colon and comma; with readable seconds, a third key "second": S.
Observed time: {"hour": 5, "minute": 52}
